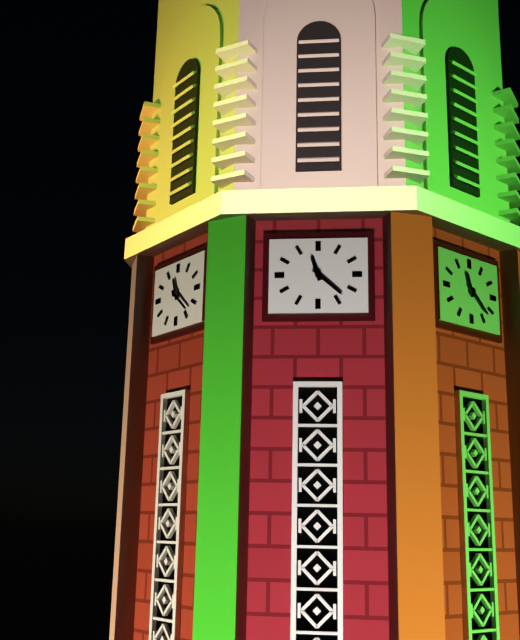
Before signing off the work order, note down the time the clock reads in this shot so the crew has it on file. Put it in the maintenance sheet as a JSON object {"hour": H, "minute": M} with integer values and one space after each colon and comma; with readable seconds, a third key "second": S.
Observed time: {"hour": 11, "minute": 22}
